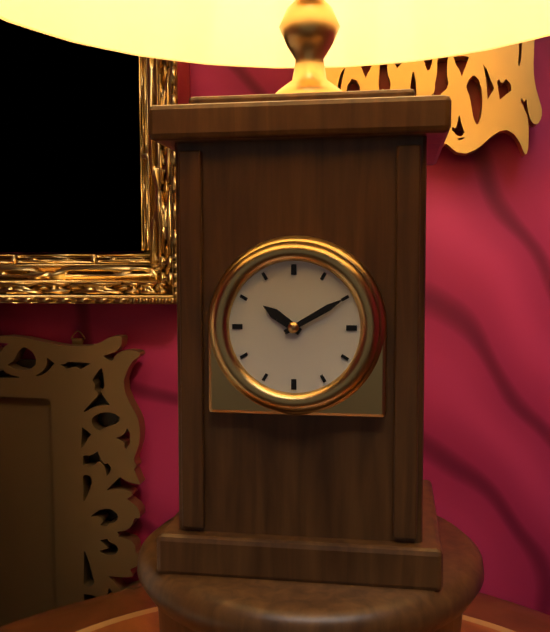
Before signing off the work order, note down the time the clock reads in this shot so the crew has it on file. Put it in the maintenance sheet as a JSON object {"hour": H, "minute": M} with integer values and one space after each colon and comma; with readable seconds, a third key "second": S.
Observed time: {"hour": 10, "minute": 10}
